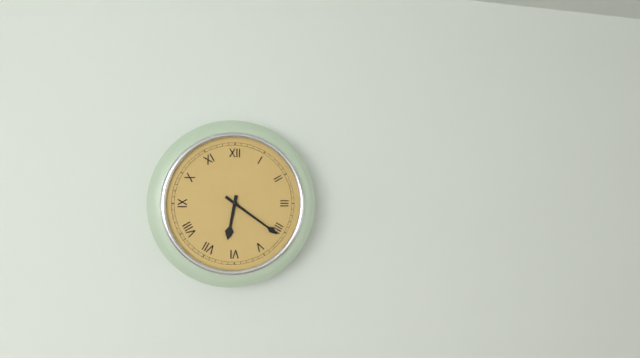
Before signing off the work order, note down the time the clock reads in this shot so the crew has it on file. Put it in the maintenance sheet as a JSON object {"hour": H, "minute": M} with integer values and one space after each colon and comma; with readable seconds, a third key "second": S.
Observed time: {"hour": 6, "minute": 21}
